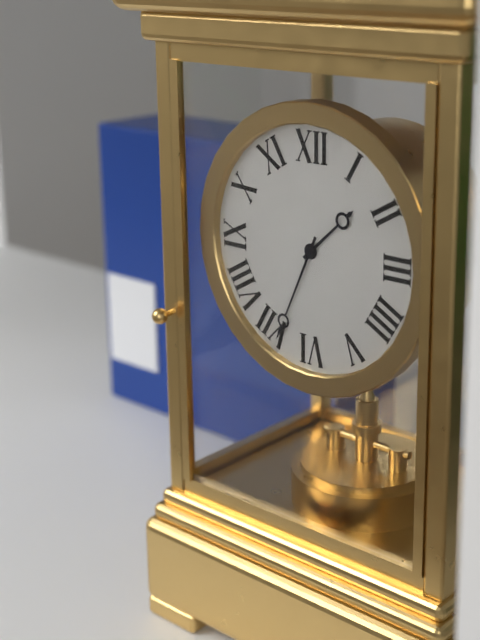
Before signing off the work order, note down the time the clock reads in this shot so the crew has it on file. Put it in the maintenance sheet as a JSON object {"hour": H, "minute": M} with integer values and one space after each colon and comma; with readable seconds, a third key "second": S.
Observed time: {"hour": 1, "minute": 34}
